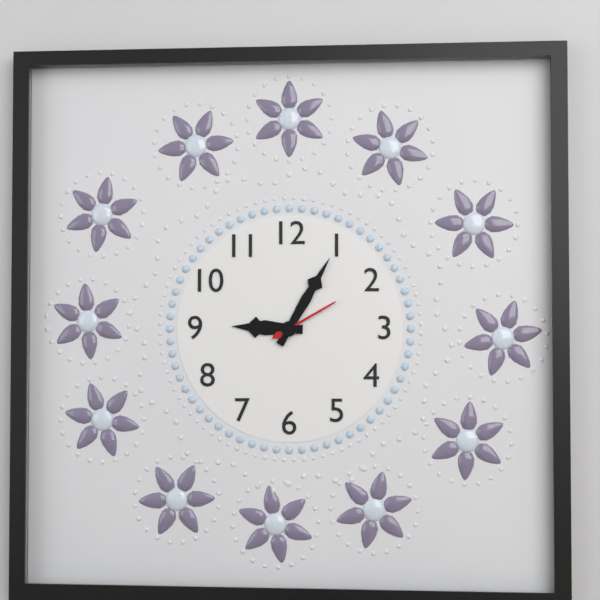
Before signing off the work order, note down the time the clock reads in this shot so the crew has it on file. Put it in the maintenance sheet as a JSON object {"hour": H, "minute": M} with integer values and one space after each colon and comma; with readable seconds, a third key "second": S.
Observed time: {"hour": 9, "minute": 5, "second": 10}
